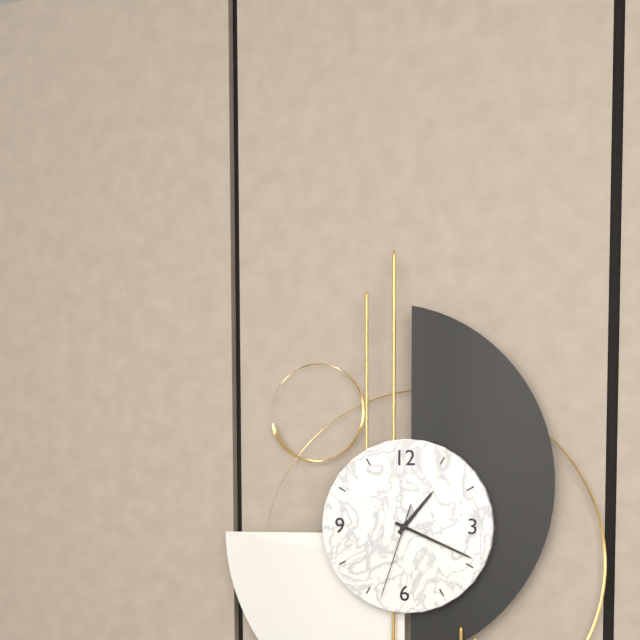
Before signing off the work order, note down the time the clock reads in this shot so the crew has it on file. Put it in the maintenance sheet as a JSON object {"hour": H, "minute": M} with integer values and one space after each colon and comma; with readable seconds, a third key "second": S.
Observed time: {"hour": 1, "minute": 19, "second": 33}
